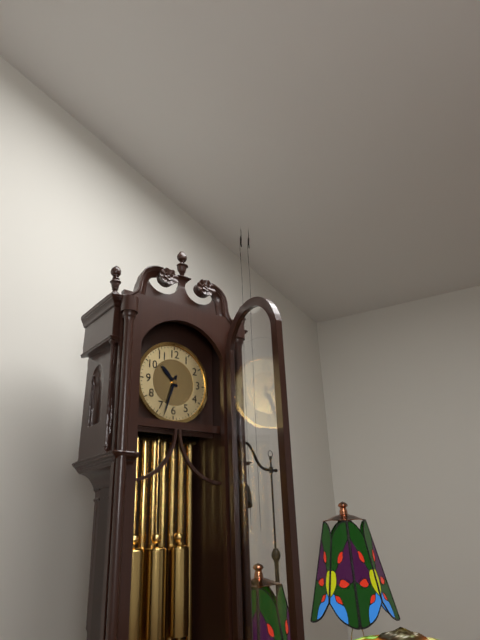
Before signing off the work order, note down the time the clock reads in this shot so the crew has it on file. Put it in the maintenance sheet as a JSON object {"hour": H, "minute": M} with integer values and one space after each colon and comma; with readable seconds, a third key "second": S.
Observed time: {"hour": 10, "minute": 33}
